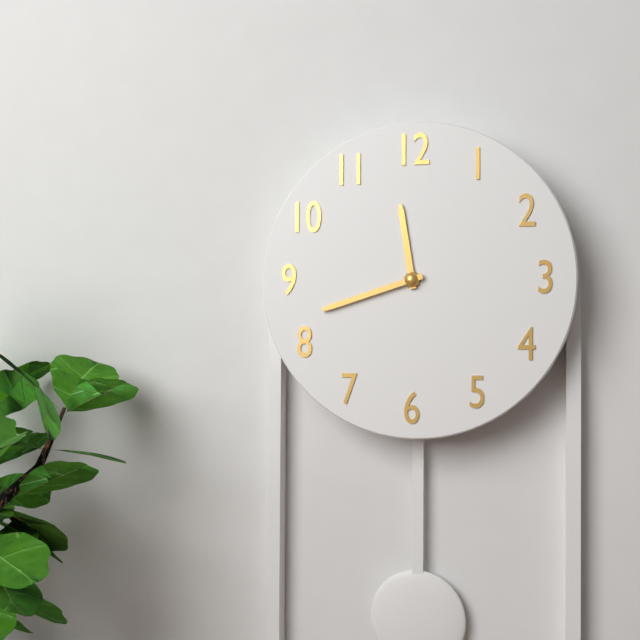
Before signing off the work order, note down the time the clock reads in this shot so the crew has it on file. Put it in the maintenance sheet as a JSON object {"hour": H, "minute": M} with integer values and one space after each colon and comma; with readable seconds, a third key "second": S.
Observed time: {"hour": 11, "minute": 42}
